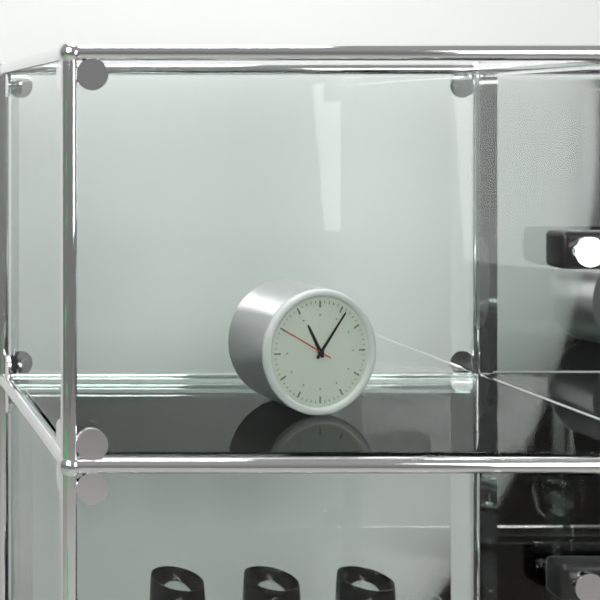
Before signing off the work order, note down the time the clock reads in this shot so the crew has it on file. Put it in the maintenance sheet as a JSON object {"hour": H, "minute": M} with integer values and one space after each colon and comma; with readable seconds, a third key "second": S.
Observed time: {"hour": 11, "minute": 6}
